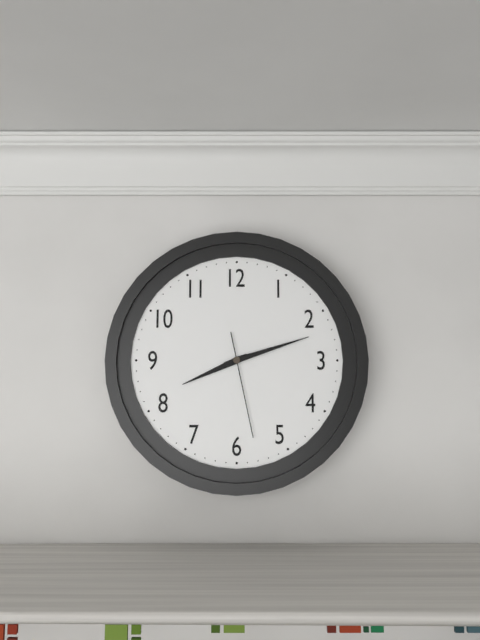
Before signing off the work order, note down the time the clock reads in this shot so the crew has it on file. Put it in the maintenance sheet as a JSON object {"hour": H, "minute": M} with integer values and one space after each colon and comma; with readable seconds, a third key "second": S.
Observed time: {"hour": 8, "minute": 12, "second": 28}
